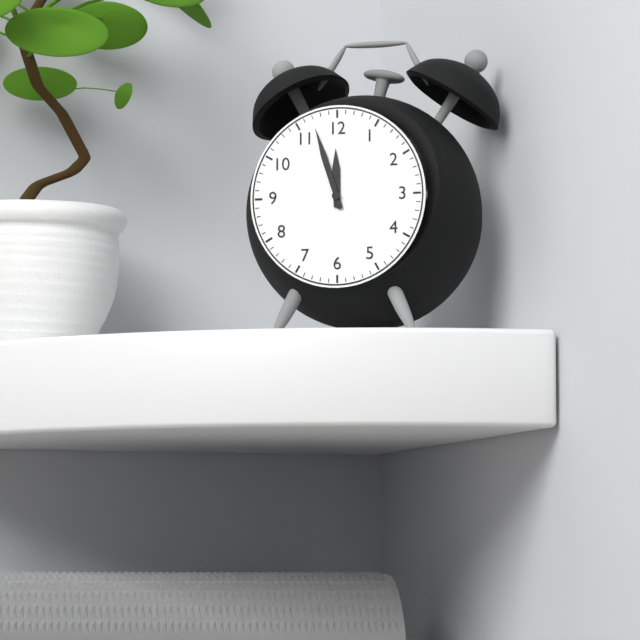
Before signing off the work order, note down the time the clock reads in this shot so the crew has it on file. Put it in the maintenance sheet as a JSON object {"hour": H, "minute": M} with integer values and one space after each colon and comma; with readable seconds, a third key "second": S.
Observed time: {"hour": 11, "minute": 57}
